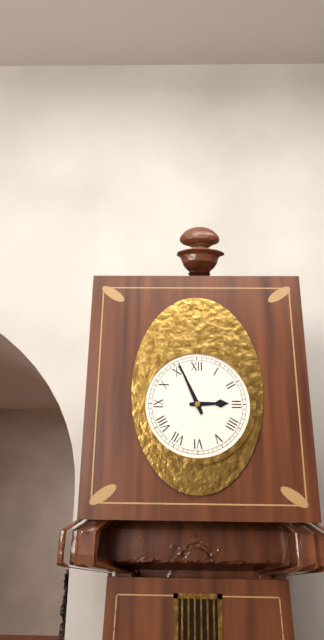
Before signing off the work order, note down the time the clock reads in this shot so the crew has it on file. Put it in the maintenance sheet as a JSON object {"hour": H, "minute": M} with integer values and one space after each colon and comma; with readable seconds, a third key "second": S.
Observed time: {"hour": 2, "minute": 56}
